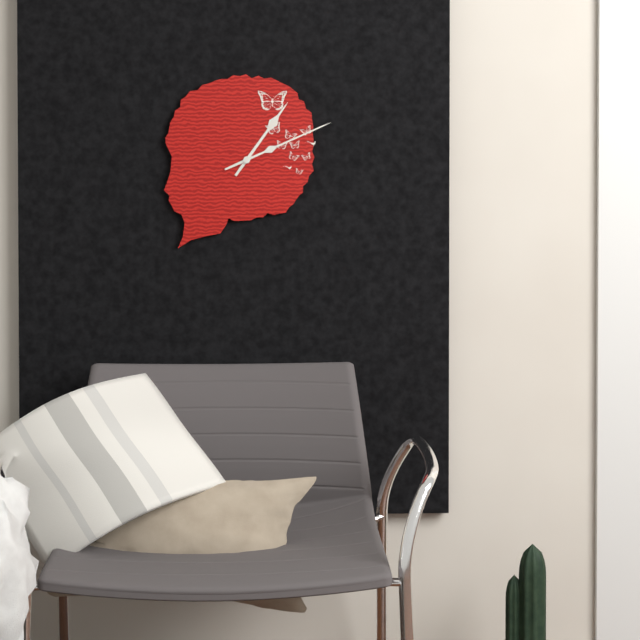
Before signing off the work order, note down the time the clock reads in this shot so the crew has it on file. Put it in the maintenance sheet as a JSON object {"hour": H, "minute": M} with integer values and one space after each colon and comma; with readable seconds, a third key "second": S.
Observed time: {"hour": 1, "minute": 11}
